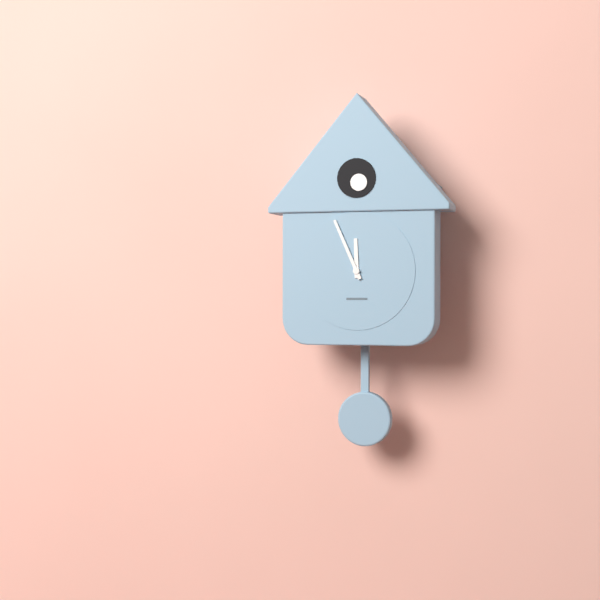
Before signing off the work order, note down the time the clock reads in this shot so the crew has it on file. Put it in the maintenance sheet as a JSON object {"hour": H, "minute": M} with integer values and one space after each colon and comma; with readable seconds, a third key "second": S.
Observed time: {"hour": 11, "minute": 56}
